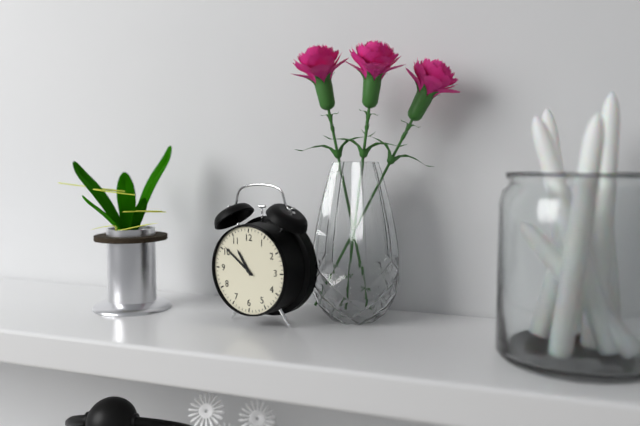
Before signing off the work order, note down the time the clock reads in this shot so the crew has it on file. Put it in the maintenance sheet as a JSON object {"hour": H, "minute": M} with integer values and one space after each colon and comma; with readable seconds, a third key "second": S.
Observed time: {"hour": 10, "minute": 51}
